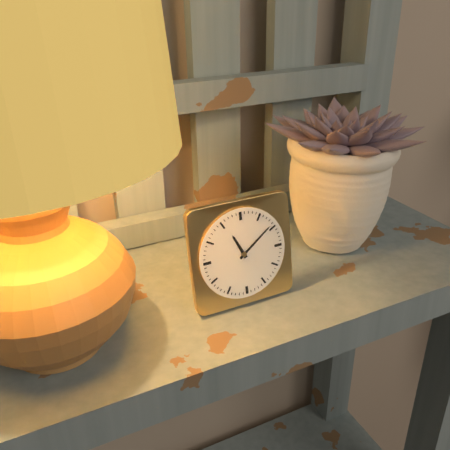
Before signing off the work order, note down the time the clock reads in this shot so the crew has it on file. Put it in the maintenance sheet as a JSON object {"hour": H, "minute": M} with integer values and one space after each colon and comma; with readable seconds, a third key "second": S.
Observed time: {"hour": 11, "minute": 9}
